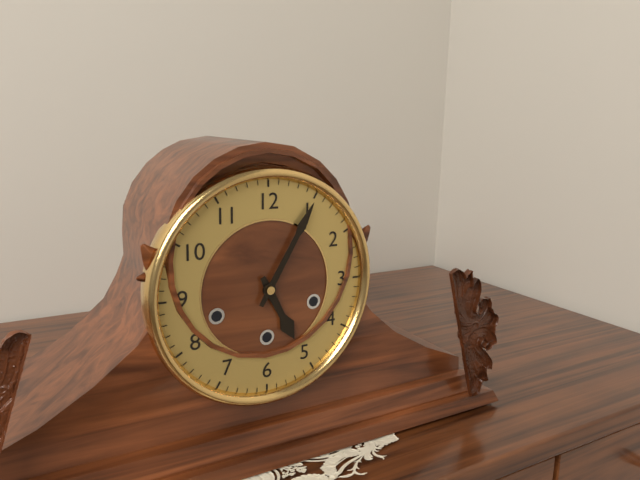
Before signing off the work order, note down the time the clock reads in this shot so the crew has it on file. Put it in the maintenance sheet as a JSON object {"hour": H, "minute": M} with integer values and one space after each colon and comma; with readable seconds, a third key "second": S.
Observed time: {"hour": 5, "minute": 5}
